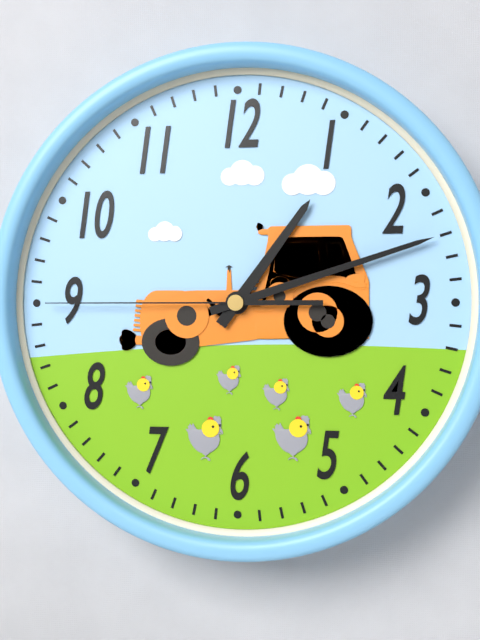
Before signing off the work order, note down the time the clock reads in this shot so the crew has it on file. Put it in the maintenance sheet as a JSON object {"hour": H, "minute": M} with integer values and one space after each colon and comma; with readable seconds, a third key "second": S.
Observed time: {"hour": 1, "minute": 12, "second": 45}
